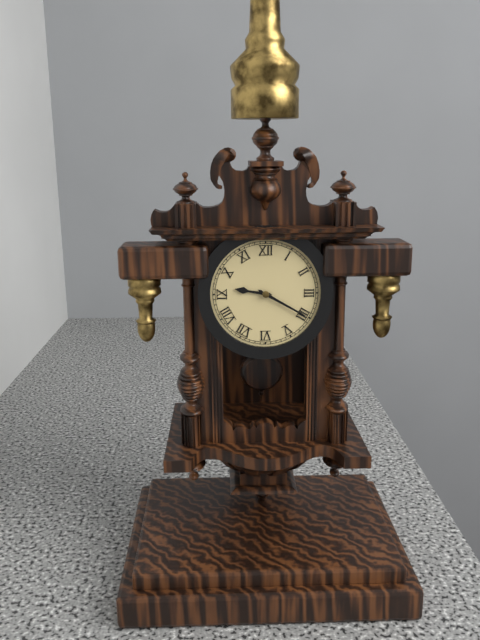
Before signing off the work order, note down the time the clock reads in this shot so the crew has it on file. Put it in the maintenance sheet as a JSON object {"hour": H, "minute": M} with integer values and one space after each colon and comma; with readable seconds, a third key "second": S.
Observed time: {"hour": 9, "minute": 20}
